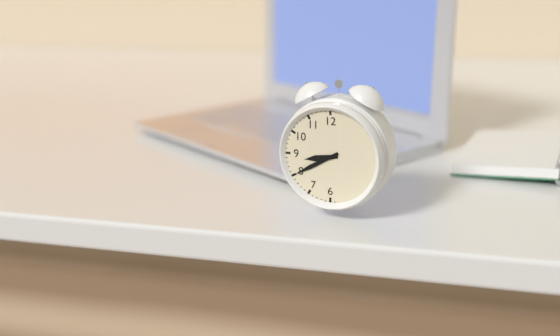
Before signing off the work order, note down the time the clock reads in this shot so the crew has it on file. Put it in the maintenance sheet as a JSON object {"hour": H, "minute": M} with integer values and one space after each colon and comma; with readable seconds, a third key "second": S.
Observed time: {"hour": 8, "minute": 40}
